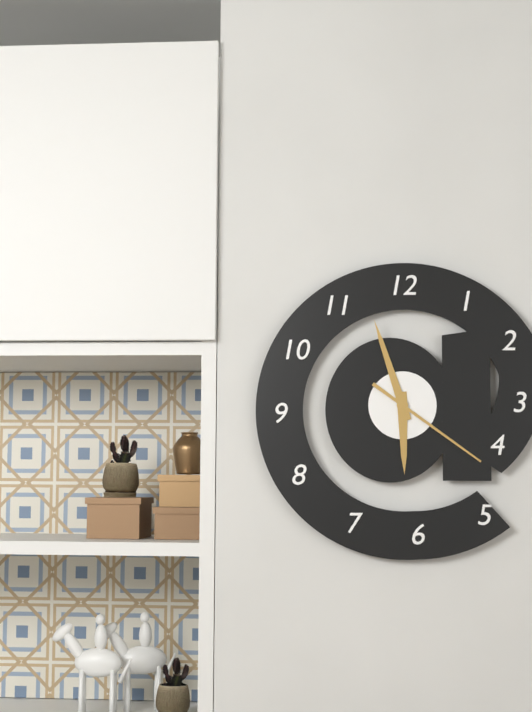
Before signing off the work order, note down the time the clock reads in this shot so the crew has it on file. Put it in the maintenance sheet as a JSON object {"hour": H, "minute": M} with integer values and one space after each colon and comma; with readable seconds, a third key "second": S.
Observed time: {"hour": 5, "minute": 57, "second": 21}
